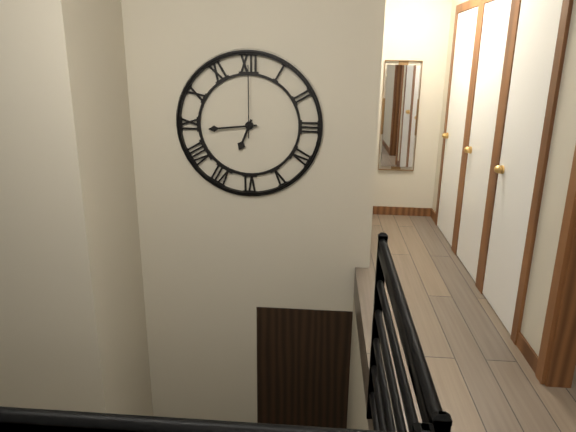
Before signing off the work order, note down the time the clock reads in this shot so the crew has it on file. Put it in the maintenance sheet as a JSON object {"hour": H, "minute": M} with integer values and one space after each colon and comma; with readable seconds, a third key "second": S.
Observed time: {"hour": 6, "minute": 44, "second": 0}
